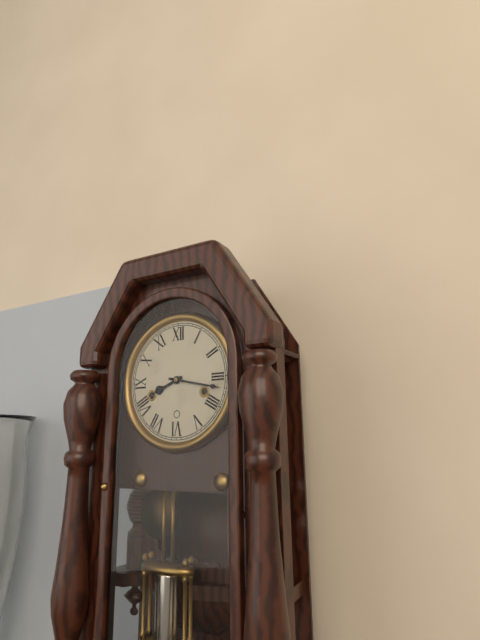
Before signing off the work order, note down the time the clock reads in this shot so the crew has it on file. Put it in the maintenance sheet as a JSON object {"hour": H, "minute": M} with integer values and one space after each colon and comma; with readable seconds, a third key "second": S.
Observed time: {"hour": 8, "minute": 17}
